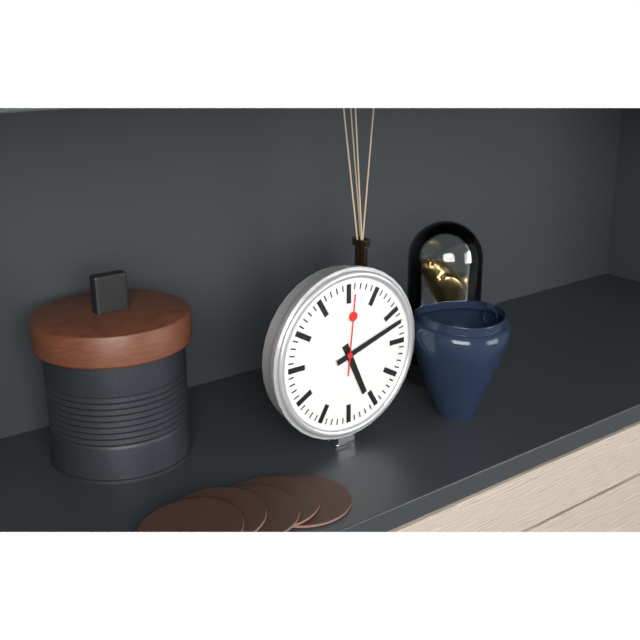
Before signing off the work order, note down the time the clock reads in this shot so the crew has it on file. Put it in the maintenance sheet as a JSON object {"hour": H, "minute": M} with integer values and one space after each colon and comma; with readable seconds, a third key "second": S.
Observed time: {"hour": 5, "minute": 12, "second": 1}
